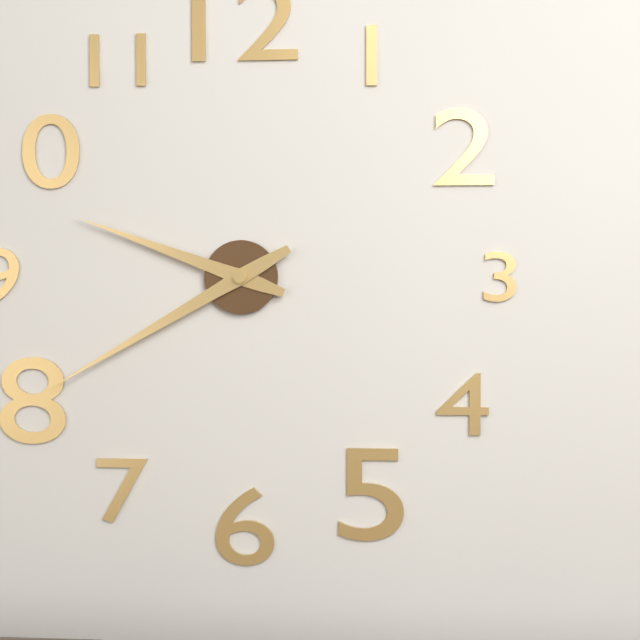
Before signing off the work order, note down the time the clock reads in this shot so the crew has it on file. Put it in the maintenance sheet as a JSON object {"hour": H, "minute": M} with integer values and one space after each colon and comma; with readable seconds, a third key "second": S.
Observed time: {"hour": 9, "minute": 40}
